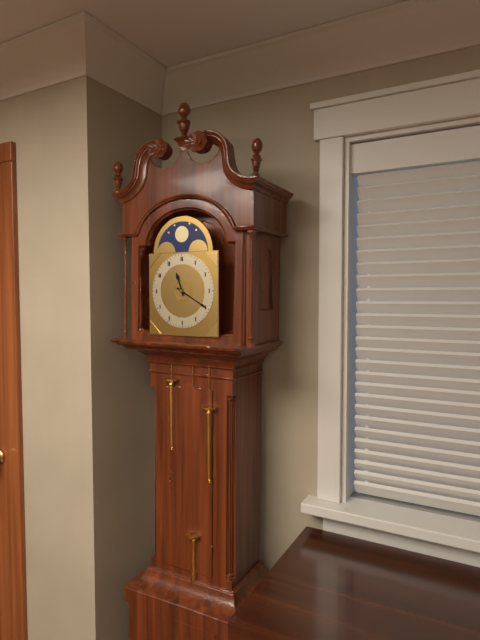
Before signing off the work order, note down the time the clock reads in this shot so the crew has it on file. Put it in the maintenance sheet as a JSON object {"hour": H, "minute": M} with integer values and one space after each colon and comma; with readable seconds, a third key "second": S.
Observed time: {"hour": 11, "minute": 20}
